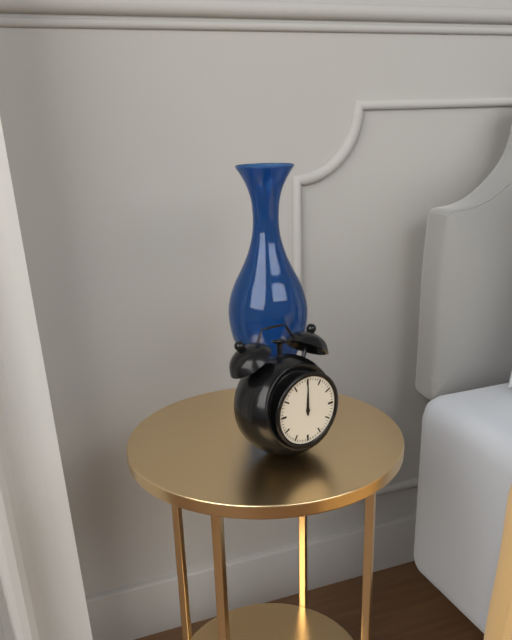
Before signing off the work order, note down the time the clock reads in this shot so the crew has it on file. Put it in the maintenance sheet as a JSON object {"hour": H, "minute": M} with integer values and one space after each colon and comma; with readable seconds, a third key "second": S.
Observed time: {"hour": 12, "minute": 0}
